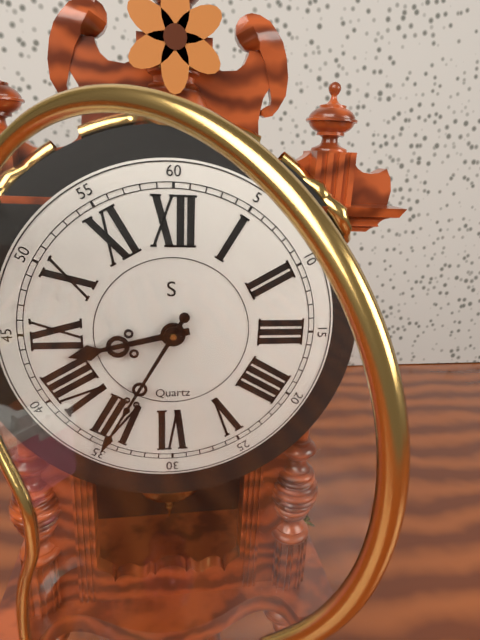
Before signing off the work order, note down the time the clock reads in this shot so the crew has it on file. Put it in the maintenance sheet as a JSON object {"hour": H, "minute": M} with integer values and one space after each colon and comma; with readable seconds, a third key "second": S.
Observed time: {"hour": 8, "minute": 35}
